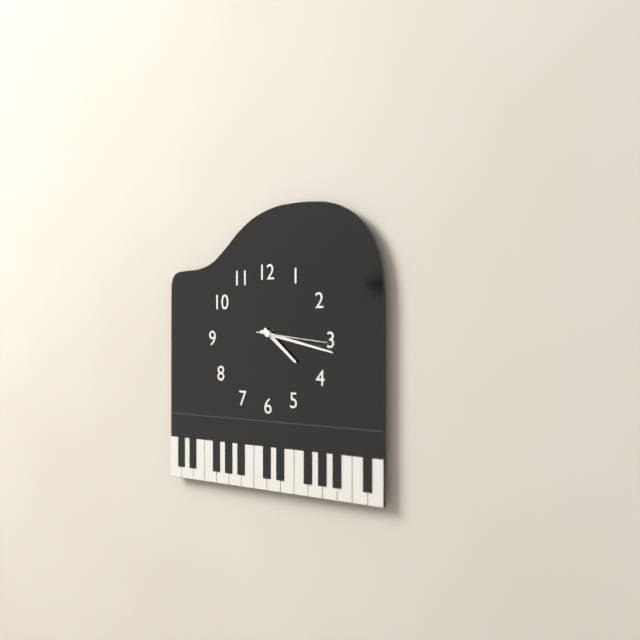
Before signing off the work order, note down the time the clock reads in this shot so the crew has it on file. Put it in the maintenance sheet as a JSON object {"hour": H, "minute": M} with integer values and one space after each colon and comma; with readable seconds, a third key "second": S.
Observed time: {"hour": 4, "minute": 17, "second": 16}
